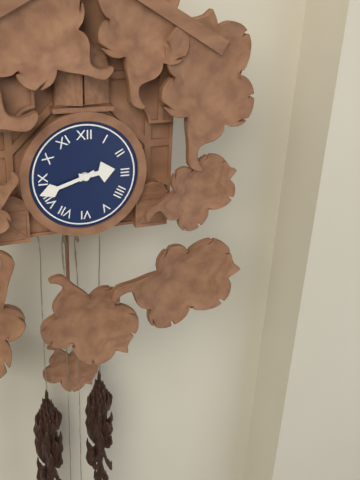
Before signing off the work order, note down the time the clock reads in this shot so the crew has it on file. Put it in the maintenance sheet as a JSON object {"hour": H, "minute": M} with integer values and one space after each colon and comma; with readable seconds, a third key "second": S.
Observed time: {"hour": 2, "minute": 42}
